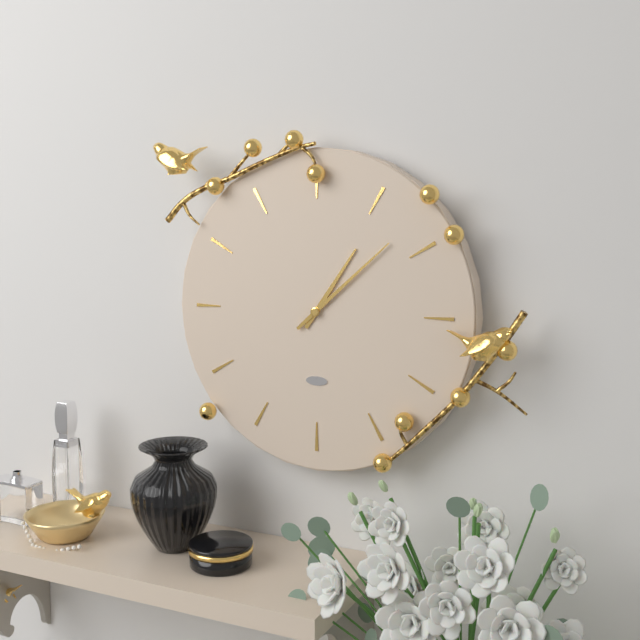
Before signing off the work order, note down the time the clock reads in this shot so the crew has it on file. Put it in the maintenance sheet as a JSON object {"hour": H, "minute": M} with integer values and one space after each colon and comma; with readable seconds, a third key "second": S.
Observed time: {"hour": 1, "minute": 8}
